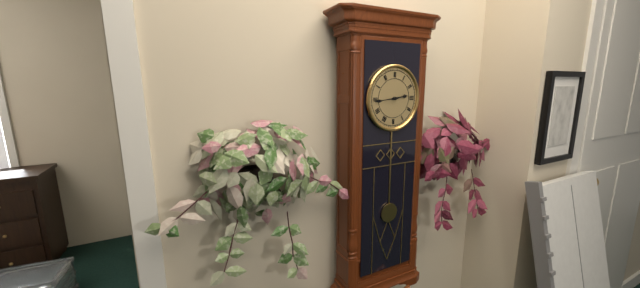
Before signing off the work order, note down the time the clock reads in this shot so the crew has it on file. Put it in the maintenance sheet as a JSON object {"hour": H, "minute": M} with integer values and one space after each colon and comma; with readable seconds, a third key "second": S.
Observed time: {"hour": 2, "minute": 44}
